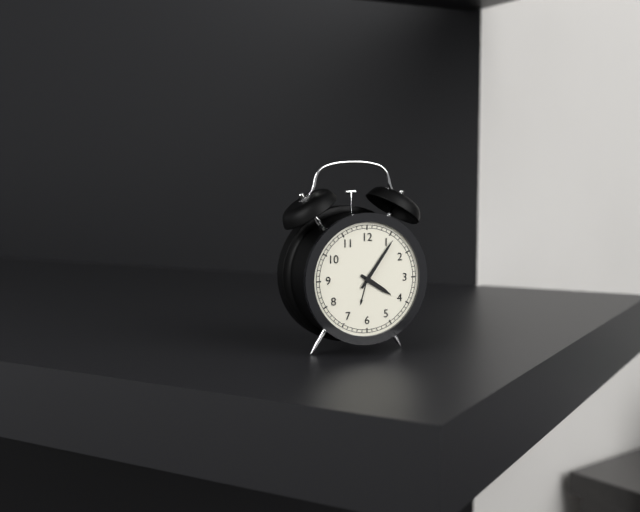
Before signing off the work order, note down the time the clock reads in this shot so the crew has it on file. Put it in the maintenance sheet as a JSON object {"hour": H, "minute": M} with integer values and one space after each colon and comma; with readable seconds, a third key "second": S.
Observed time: {"hour": 4, "minute": 6}
